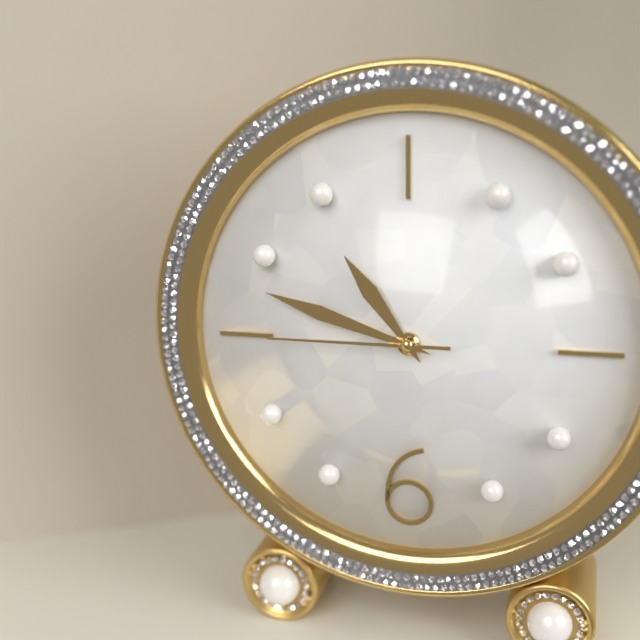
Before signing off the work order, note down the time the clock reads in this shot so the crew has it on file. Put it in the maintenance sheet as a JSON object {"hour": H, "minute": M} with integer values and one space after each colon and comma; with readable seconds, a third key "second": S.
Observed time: {"hour": 10, "minute": 48, "second": 45}
